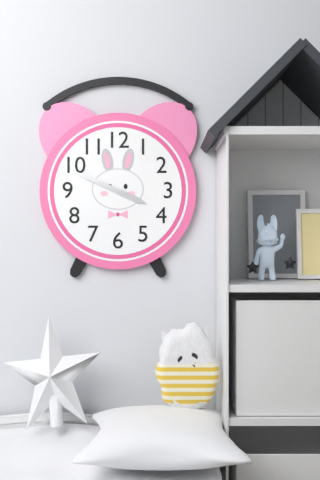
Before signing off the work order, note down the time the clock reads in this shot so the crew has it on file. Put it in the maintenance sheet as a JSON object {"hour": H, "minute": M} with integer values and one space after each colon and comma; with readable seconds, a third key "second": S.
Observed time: {"hour": 3, "minute": 49}
